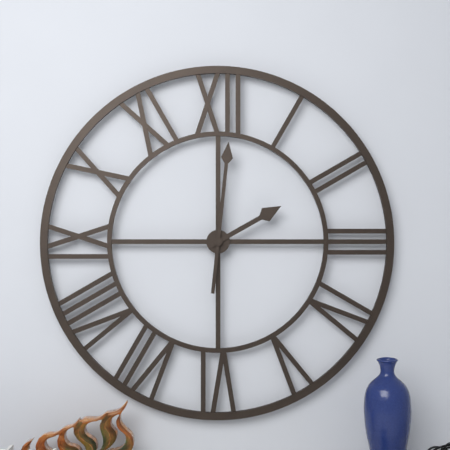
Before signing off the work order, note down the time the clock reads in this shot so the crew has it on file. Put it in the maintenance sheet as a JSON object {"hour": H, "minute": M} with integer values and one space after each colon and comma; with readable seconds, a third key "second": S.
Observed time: {"hour": 2, "minute": 1}
